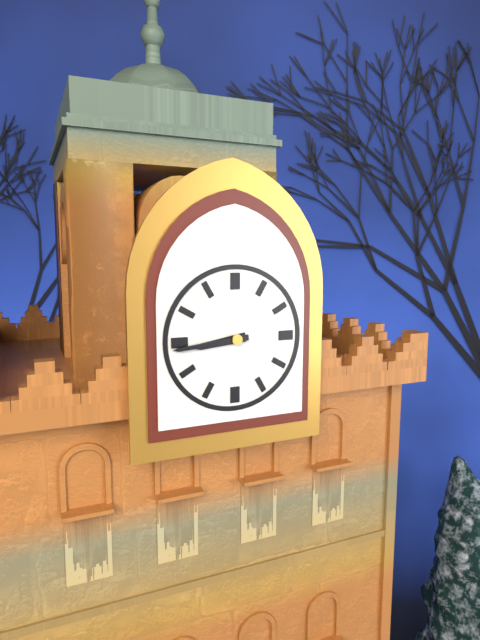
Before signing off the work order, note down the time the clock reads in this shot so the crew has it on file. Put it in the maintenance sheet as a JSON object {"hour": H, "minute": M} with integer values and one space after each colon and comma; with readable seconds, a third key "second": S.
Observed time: {"hour": 8, "minute": 44}
